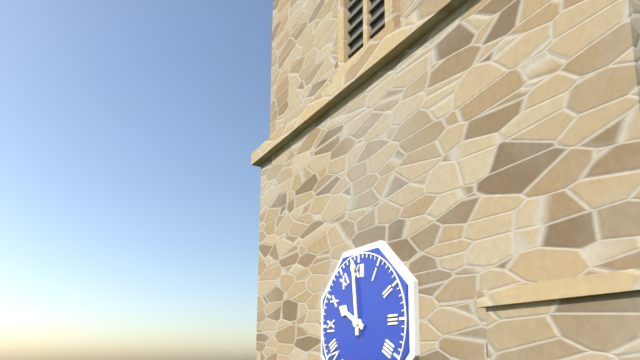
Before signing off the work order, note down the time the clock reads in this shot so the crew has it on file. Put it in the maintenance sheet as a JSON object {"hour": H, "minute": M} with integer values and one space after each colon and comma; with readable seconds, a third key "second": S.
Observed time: {"hour": 9, "minute": 59}
